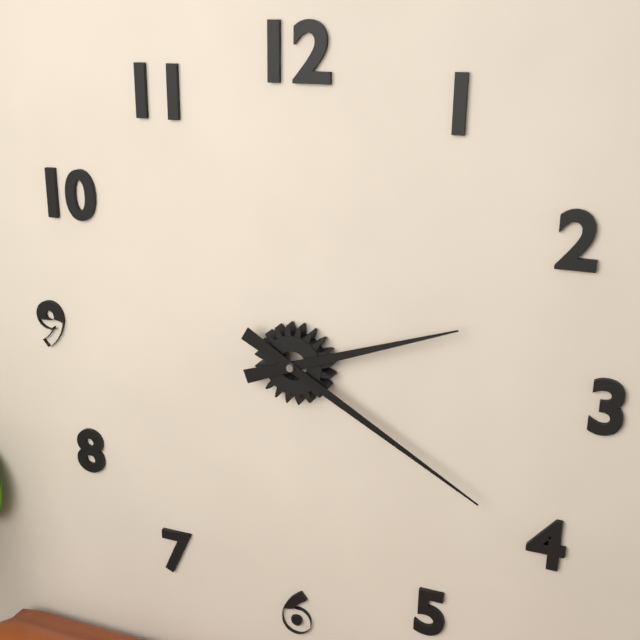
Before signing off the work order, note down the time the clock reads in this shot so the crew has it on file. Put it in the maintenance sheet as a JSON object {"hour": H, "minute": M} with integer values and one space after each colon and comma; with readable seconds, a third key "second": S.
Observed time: {"hour": 2, "minute": 20}
